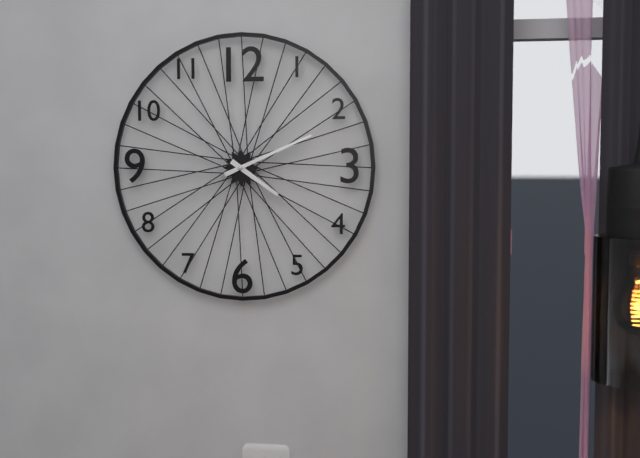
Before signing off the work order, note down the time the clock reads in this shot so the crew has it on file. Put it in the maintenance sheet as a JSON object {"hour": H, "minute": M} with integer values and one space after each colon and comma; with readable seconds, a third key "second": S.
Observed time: {"hour": 4, "minute": 11}
